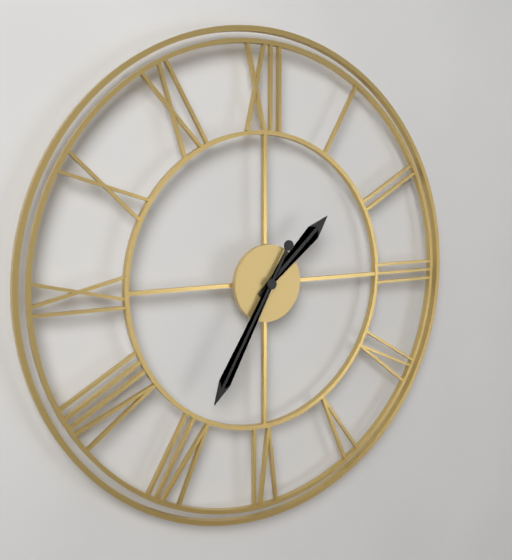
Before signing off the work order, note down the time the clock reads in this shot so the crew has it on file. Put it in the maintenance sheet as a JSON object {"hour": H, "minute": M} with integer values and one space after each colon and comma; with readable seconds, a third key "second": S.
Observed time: {"hour": 1, "minute": 35}
